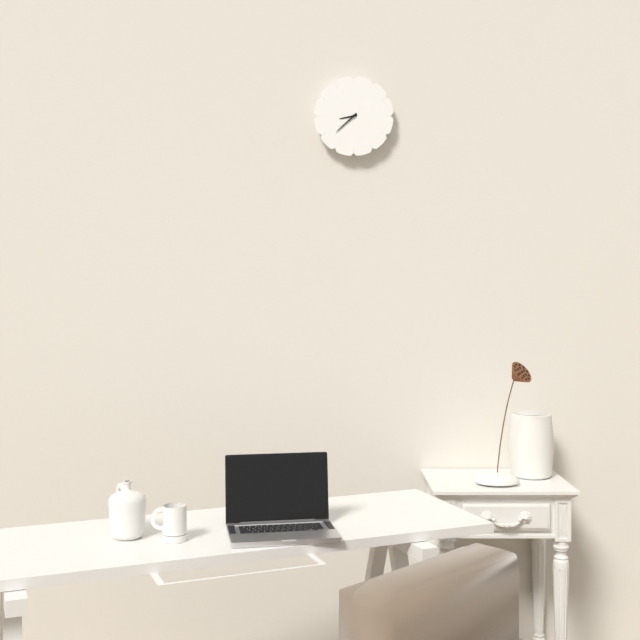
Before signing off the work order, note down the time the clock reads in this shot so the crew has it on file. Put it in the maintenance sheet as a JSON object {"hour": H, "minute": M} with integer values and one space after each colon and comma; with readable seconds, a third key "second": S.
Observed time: {"hour": 8, "minute": 38}
